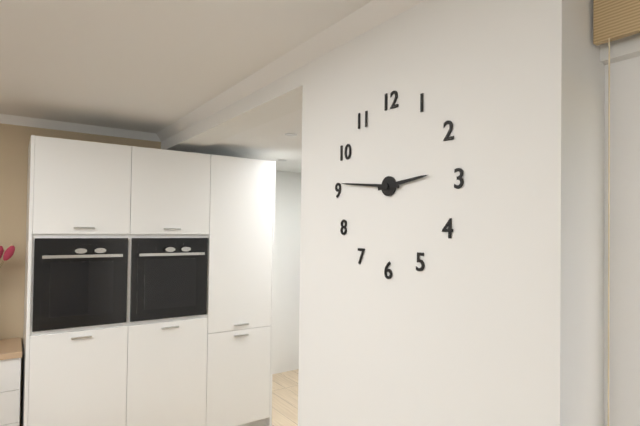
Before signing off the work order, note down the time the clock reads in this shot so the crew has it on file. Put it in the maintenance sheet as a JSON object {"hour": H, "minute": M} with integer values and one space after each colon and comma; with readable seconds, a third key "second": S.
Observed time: {"hour": 2, "minute": 46}
